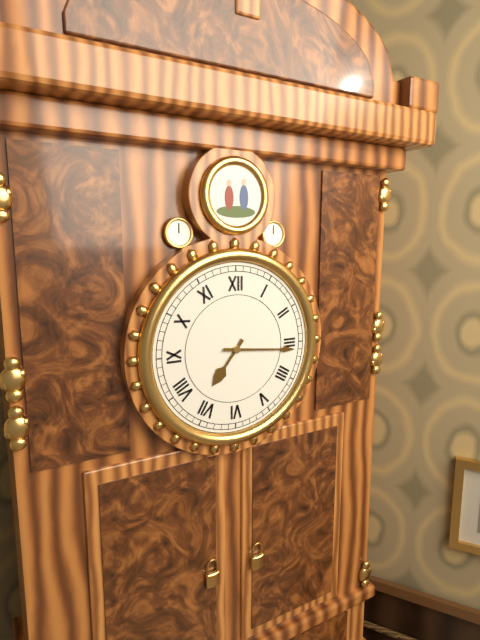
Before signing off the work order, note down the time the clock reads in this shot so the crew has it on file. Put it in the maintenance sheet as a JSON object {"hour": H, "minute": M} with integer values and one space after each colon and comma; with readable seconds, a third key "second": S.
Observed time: {"hour": 7, "minute": 16}
